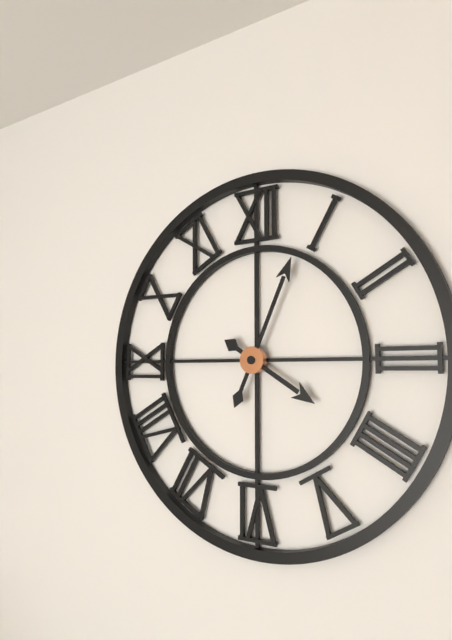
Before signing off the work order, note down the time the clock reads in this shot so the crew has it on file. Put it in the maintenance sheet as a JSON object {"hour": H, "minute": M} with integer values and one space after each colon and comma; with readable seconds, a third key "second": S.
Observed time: {"hour": 4, "minute": 4}
